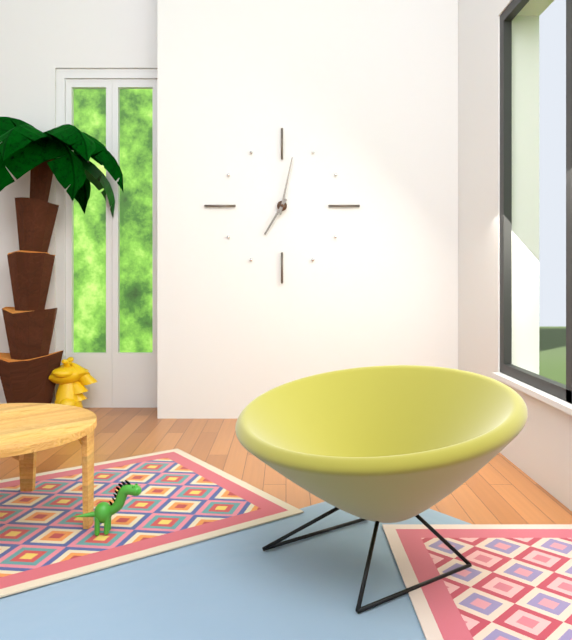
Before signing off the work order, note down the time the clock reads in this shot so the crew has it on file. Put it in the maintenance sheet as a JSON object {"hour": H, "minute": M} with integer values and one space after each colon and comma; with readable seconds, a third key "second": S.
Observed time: {"hour": 7, "minute": 2}
